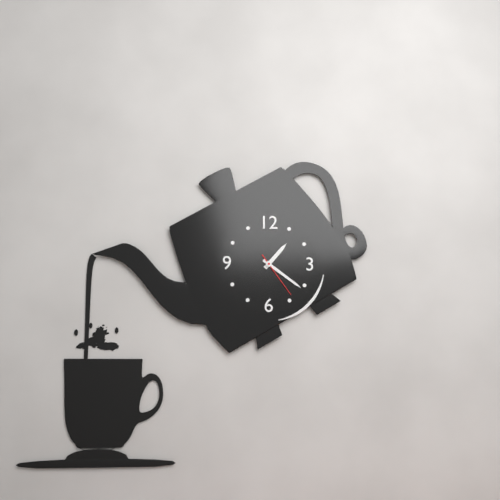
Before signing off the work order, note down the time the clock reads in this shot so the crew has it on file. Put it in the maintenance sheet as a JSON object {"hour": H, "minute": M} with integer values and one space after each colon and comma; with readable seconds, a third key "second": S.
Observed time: {"hour": 1, "minute": 21}
